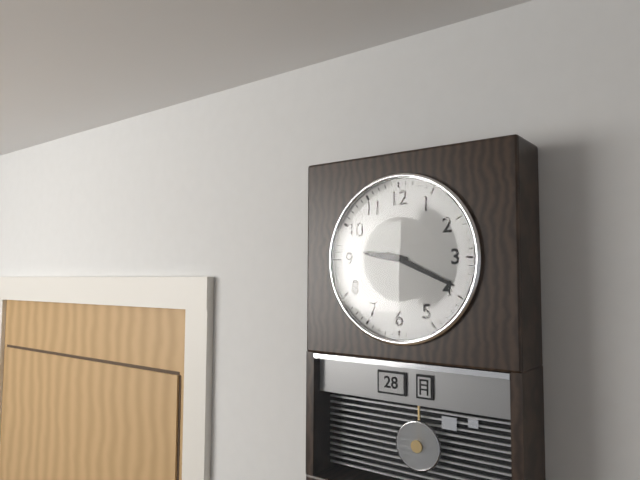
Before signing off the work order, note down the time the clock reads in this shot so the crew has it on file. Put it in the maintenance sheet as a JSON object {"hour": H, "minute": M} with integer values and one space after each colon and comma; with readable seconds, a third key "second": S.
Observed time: {"hour": 9, "minute": 19}
